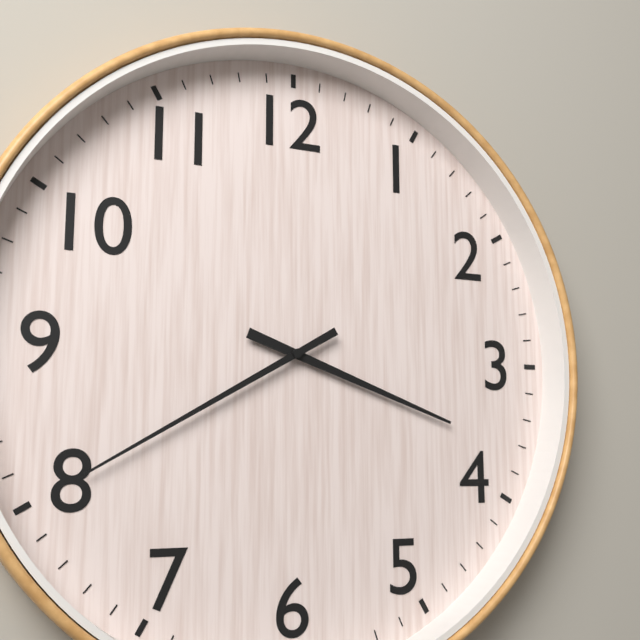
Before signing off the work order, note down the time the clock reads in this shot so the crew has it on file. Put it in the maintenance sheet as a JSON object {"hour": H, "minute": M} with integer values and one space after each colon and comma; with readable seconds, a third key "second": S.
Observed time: {"hour": 3, "minute": 40}
